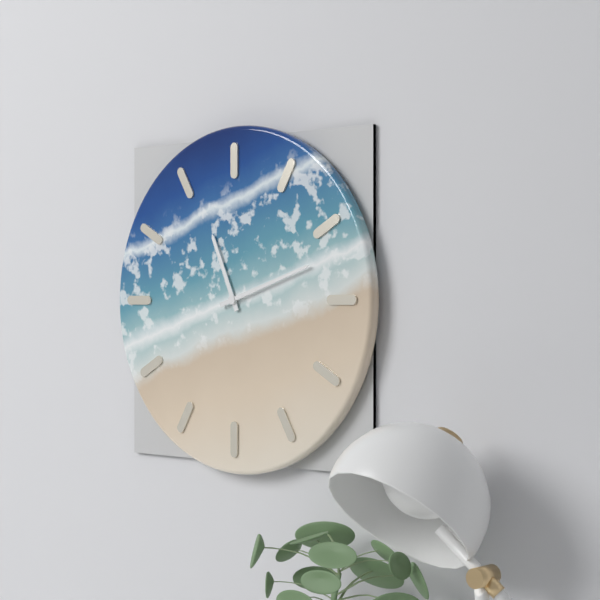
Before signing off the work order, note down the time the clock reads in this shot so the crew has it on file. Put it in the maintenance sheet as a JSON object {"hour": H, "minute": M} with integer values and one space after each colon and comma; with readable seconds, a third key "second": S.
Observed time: {"hour": 11, "minute": 12}
